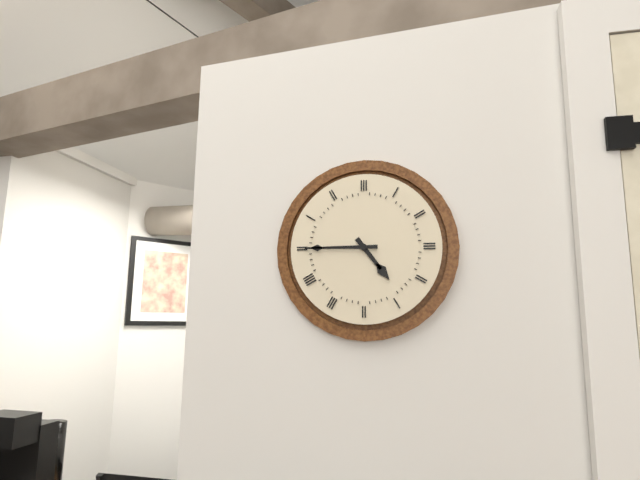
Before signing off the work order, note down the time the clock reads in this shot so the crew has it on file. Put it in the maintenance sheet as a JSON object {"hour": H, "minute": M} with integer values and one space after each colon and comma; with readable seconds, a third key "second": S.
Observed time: {"hour": 4, "minute": 45}
